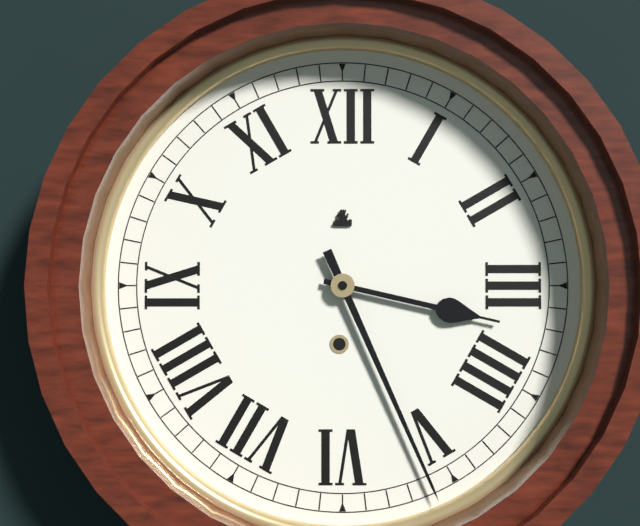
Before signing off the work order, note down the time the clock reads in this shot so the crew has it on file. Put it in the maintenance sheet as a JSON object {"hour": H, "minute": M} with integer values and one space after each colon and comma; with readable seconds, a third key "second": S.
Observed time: {"hour": 3, "minute": 26}
